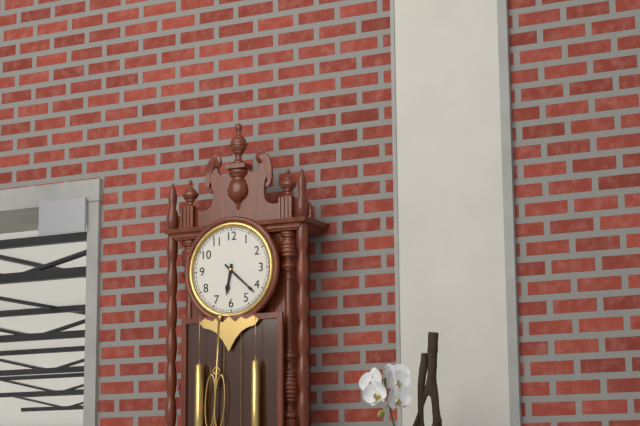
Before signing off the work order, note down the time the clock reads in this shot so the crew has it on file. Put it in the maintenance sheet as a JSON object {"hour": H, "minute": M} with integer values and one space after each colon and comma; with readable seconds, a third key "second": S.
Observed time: {"hour": 6, "minute": 22}
